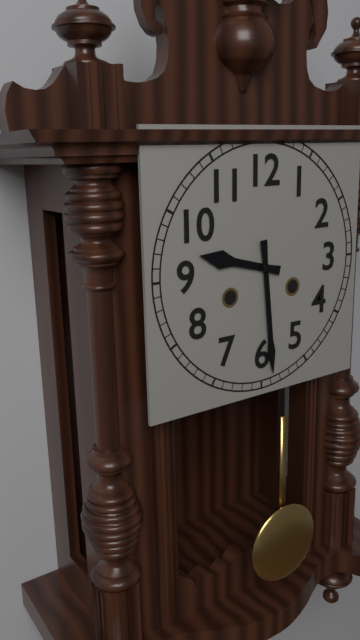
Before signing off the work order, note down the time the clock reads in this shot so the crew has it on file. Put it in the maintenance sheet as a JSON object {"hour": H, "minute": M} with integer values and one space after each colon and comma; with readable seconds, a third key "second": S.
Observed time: {"hour": 9, "minute": 29}
